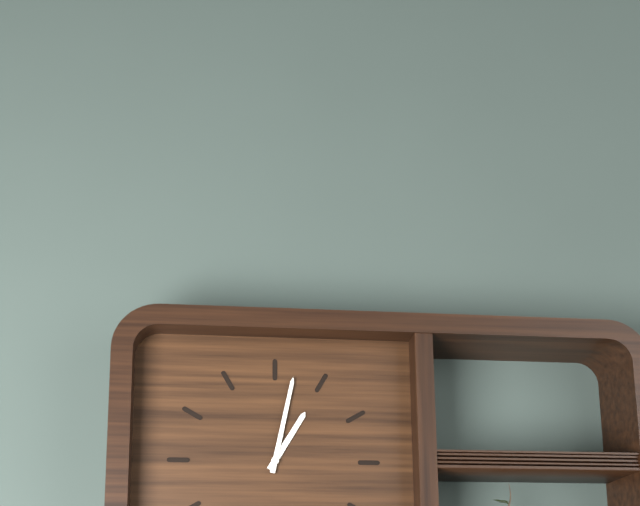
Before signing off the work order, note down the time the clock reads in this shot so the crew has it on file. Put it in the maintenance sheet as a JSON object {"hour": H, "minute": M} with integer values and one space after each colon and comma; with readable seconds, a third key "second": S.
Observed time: {"hour": 1, "minute": 2}
